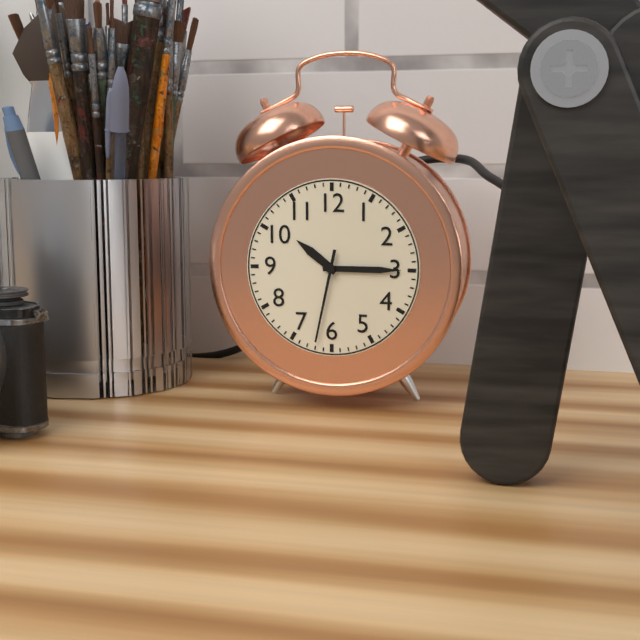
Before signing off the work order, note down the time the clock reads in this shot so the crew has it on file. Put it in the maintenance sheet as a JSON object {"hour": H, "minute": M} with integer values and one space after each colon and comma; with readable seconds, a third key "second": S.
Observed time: {"hour": 10, "minute": 15, "second": 32}
